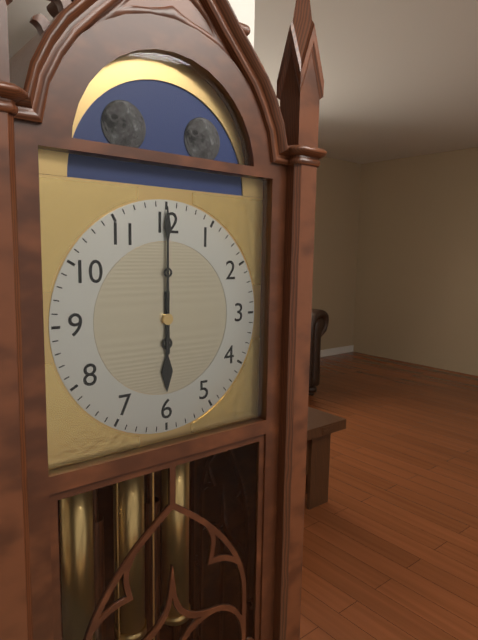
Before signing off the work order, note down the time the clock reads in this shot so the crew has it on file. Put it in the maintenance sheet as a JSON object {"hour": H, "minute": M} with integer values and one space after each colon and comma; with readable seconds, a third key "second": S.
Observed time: {"hour": 6, "minute": 0}
